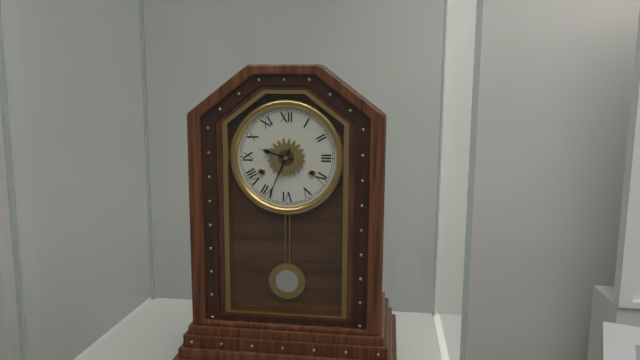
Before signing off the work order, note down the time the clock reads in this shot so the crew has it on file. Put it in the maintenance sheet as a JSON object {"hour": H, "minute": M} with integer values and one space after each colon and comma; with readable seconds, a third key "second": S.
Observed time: {"hour": 9, "minute": 34}
